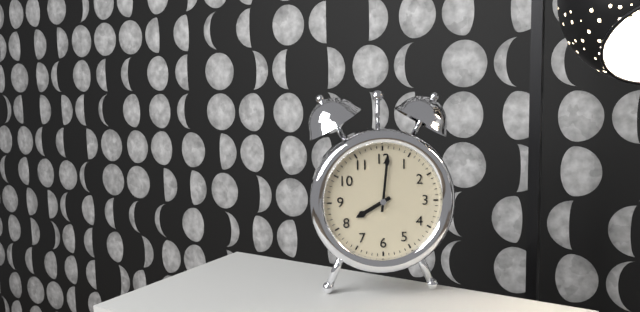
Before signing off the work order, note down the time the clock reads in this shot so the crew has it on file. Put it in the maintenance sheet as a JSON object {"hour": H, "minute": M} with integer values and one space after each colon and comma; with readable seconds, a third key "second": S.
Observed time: {"hour": 8, "minute": 1}
